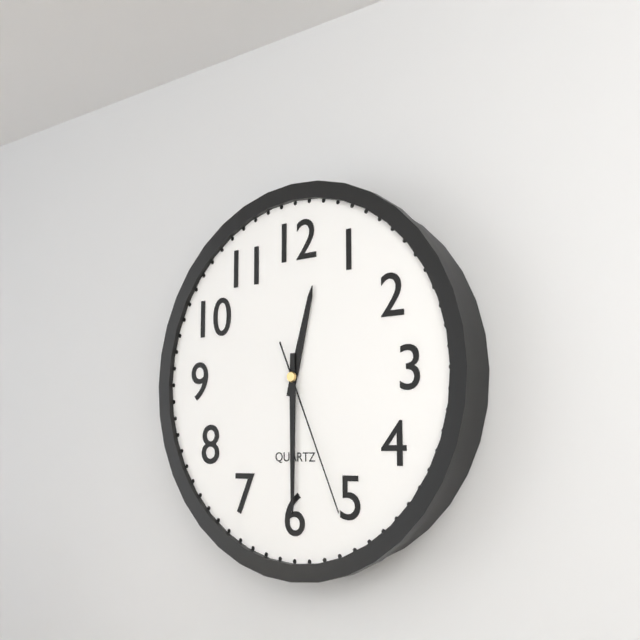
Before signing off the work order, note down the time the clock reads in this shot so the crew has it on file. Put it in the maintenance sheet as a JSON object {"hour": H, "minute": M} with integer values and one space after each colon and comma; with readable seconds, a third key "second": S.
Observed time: {"hour": 12, "minute": 30, "second": 26}
